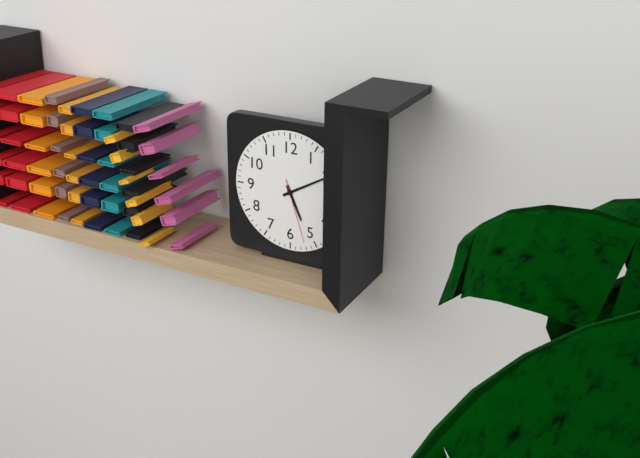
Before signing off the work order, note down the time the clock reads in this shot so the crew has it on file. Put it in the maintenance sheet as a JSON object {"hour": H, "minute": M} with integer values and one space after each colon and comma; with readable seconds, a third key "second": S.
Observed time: {"hour": 5, "minute": 10, "second": 27}
